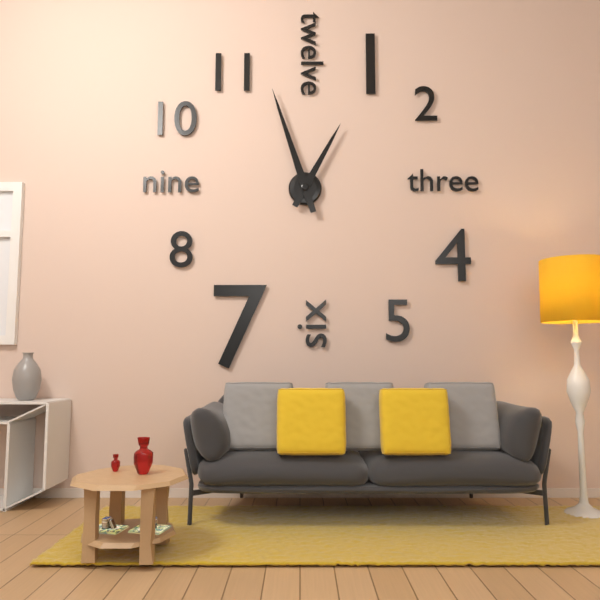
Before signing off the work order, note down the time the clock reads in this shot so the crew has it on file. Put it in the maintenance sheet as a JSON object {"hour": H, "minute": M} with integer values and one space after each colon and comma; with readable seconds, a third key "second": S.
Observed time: {"hour": 12, "minute": 57}
